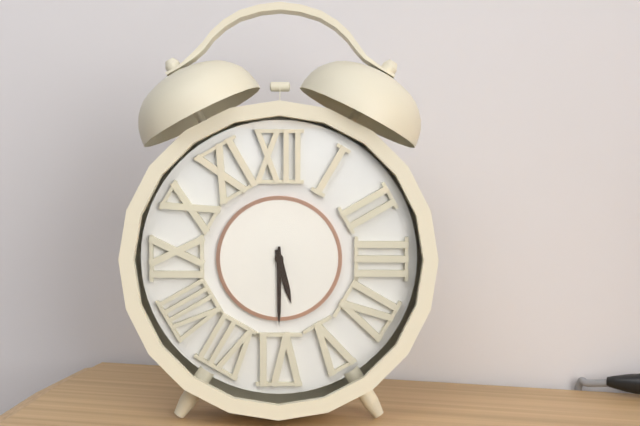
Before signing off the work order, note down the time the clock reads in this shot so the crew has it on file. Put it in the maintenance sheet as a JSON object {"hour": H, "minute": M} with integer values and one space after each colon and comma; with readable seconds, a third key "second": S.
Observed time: {"hour": 5, "minute": 30}
